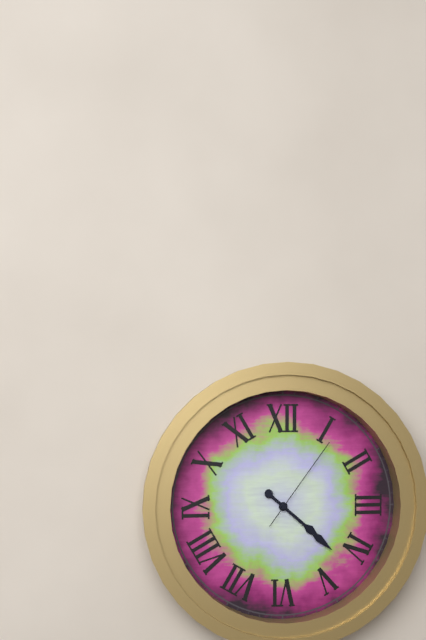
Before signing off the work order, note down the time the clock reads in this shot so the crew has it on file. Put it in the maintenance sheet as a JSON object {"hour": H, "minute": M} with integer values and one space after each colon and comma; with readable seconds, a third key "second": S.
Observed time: {"hour": 4, "minute": 22, "second": 6}
